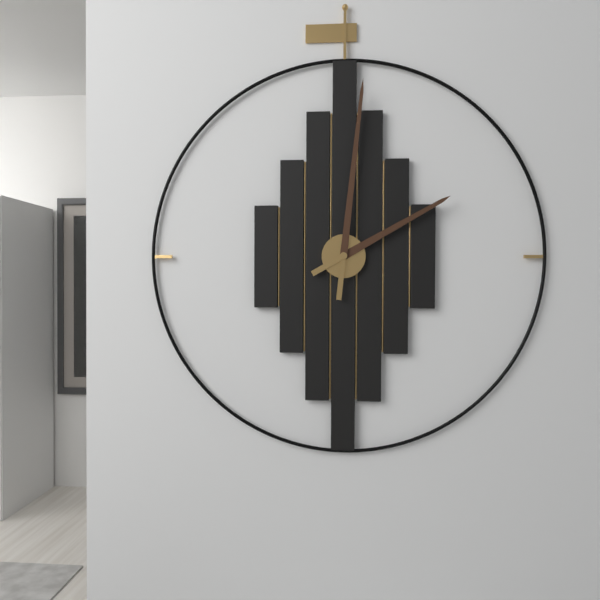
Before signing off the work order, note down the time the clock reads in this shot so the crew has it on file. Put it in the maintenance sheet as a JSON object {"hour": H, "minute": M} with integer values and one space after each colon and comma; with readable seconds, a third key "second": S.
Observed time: {"hour": 2, "minute": 1}
